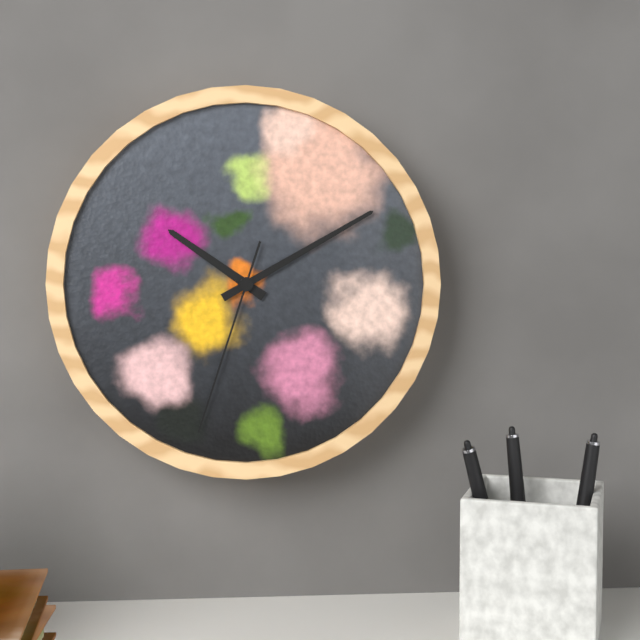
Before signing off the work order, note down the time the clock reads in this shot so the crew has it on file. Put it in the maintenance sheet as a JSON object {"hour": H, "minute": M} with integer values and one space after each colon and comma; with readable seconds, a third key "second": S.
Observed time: {"hour": 10, "minute": 10, "second": 33}
